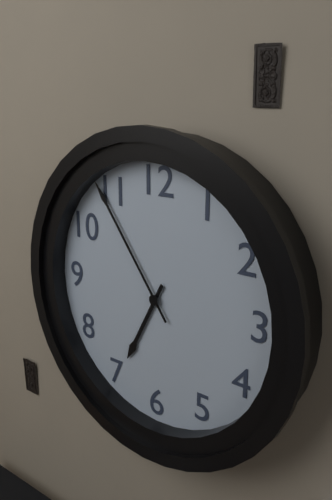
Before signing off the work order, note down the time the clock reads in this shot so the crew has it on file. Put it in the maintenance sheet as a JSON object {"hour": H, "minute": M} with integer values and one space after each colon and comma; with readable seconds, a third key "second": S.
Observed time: {"hour": 6, "minute": 54}
